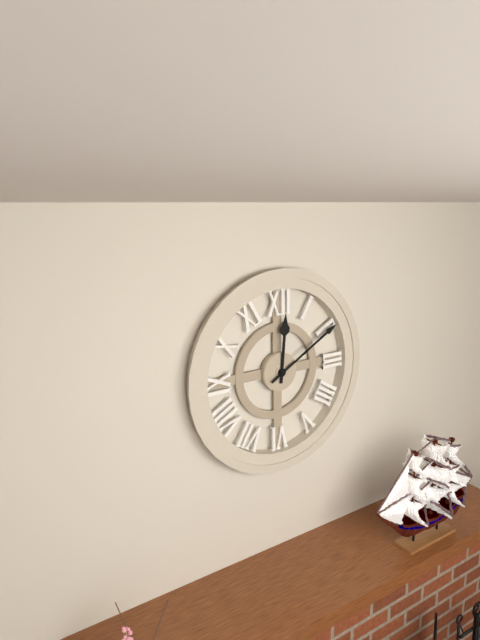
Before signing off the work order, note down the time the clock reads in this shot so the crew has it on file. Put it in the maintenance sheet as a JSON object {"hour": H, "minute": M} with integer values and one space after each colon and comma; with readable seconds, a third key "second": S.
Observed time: {"hour": 12, "minute": 10}
